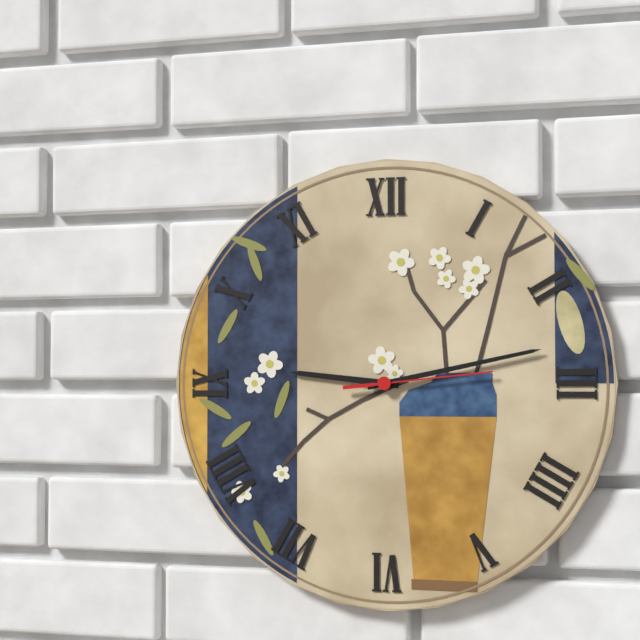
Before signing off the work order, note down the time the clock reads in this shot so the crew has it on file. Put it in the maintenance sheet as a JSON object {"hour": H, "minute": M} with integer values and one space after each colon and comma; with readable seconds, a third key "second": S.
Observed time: {"hour": 9, "minute": 13, "second": 14}
